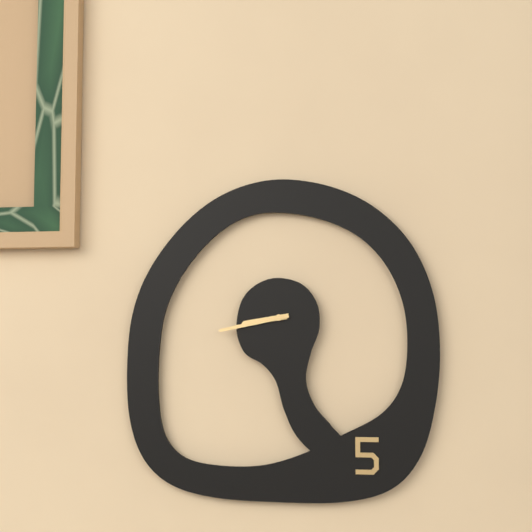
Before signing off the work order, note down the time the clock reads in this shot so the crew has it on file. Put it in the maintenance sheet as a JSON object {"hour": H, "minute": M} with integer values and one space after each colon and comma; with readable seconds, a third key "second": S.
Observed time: {"hour": 8, "minute": 43}
